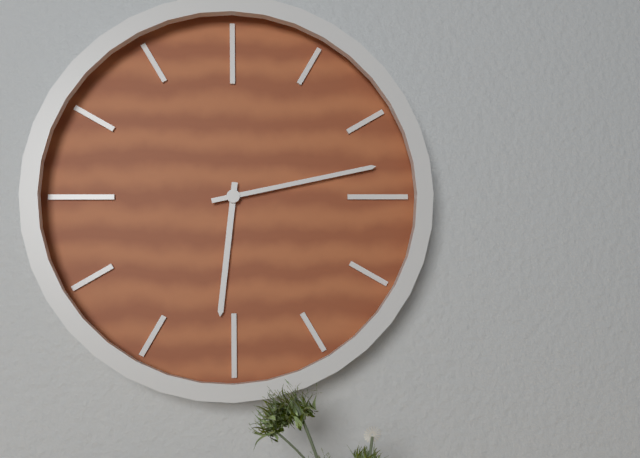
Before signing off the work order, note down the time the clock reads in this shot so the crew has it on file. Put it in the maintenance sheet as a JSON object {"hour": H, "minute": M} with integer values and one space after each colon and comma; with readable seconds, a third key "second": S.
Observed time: {"hour": 6, "minute": 13}
